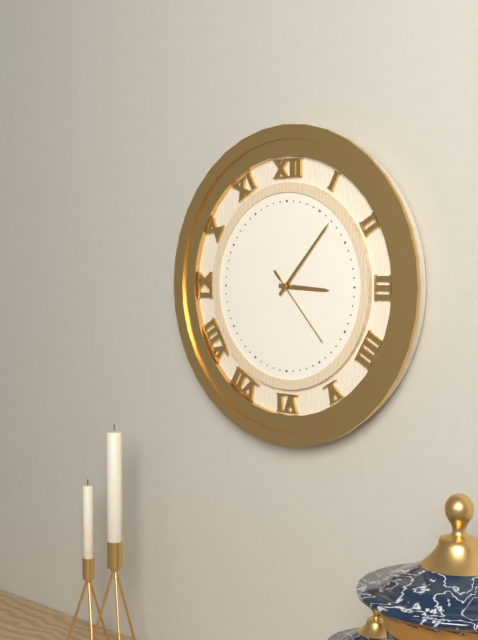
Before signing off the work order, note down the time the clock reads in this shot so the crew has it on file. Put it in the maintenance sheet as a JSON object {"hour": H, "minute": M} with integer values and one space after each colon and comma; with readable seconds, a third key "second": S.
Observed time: {"hour": 3, "minute": 7, "second": 23}
